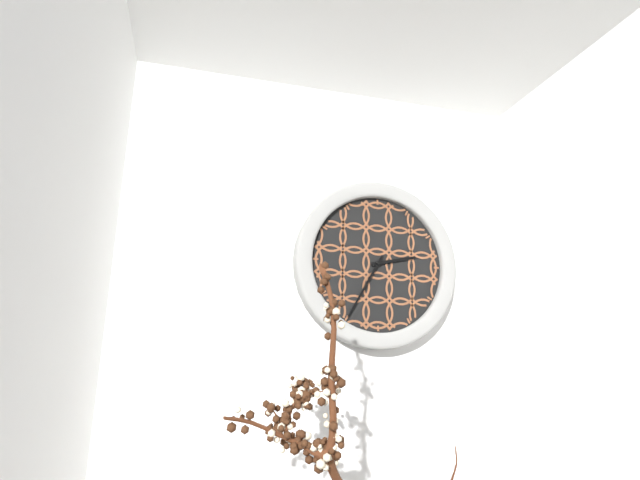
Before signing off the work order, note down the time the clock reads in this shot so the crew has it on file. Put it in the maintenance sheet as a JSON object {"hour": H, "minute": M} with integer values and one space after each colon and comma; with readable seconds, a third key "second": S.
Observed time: {"hour": 2, "minute": 35}
